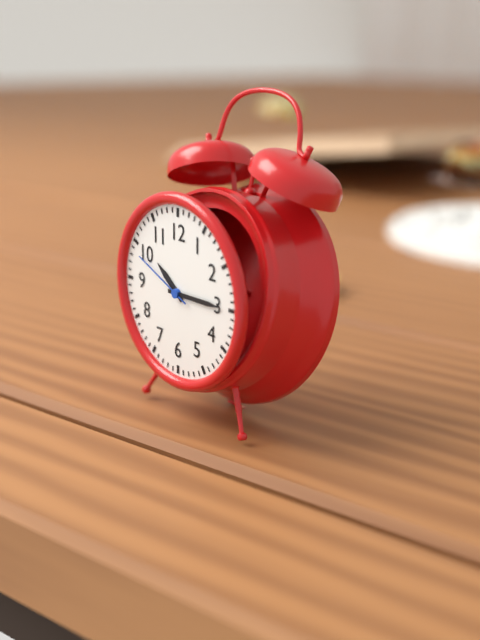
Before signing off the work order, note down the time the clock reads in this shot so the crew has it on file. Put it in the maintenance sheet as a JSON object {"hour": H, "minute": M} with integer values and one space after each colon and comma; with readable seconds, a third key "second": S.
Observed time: {"hour": 10, "minute": 15, "second": 49}
